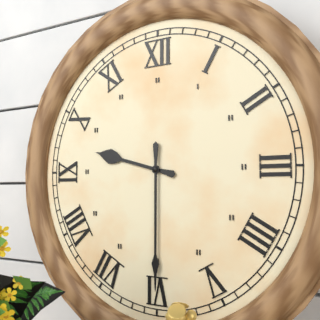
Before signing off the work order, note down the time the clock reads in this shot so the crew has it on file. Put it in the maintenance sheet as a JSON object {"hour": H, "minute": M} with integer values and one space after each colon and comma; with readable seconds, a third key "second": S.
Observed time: {"hour": 9, "minute": 30}
